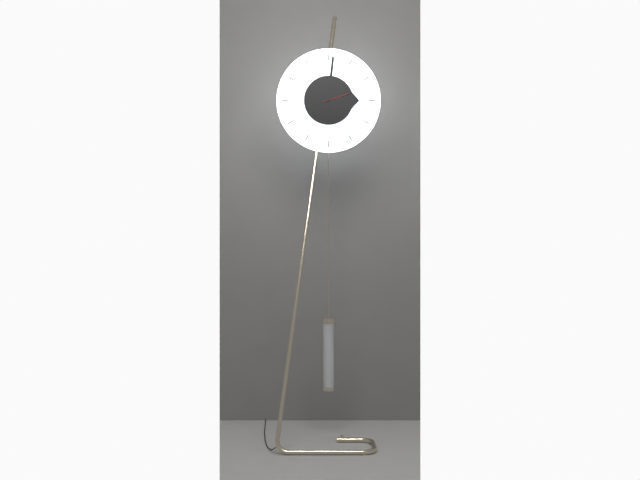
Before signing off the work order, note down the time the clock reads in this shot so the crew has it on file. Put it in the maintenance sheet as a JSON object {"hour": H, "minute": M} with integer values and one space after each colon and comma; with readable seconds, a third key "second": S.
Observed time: {"hour": 3, "minute": 1}
